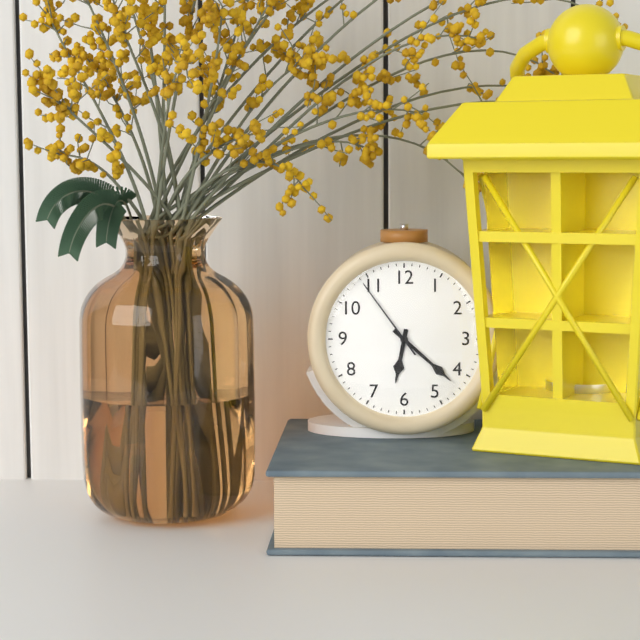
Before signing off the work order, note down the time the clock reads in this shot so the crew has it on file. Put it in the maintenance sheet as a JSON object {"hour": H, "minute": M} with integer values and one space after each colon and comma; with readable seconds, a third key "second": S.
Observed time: {"hour": 6, "minute": 22, "second": 54}
